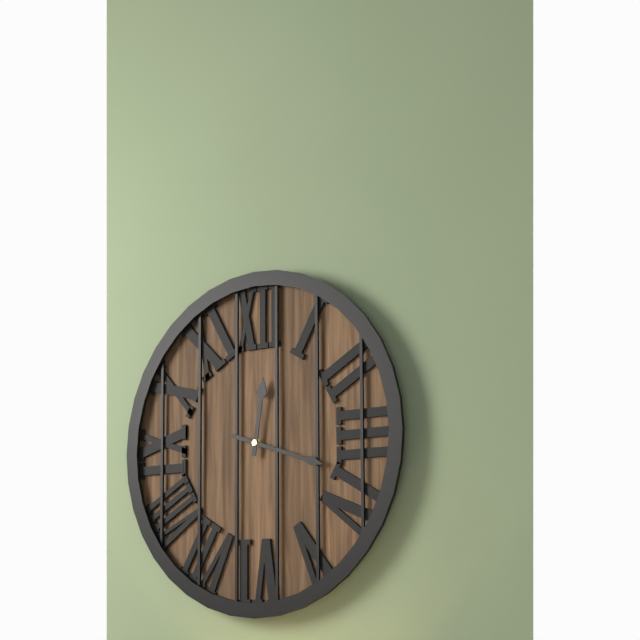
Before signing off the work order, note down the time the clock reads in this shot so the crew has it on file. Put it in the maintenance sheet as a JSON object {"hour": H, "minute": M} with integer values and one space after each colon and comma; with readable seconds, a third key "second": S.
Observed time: {"hour": 12, "minute": 18}
